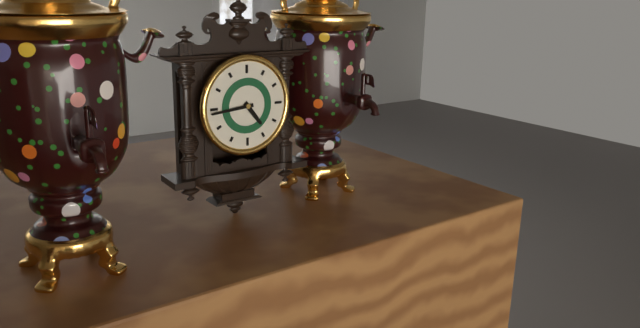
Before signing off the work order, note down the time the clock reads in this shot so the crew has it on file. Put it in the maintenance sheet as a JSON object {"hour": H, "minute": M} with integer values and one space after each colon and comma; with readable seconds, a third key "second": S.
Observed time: {"hour": 4, "minute": 44}
